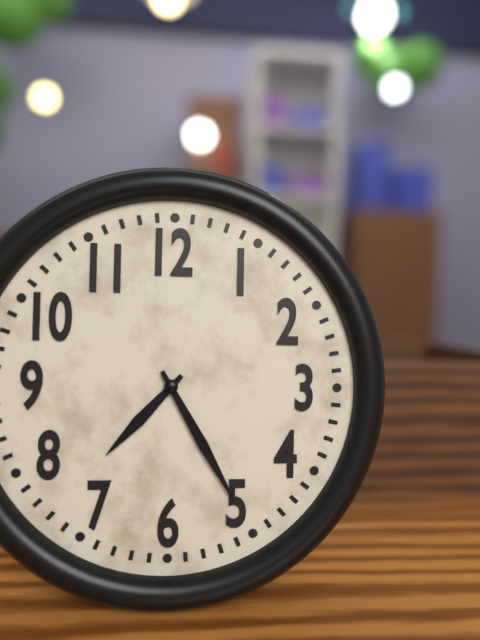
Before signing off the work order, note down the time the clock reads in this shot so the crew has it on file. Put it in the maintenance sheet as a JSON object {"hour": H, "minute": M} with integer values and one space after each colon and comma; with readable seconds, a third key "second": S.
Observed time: {"hour": 7, "minute": 25}
